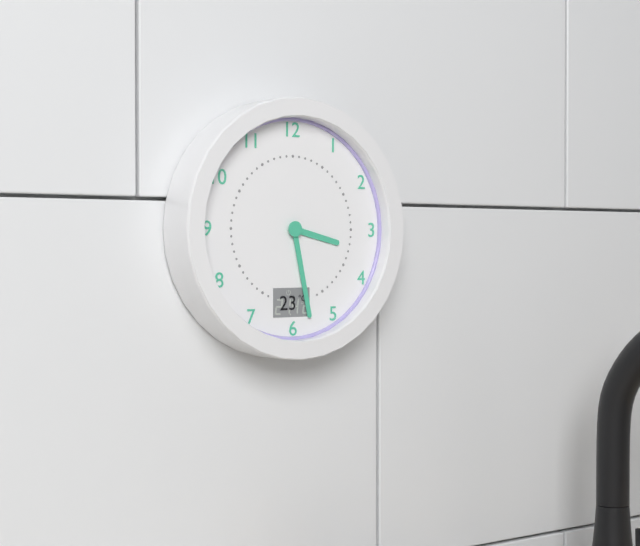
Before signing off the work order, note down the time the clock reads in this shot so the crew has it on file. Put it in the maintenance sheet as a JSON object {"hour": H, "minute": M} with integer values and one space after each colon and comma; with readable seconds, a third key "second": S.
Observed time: {"hour": 3, "minute": 28}
